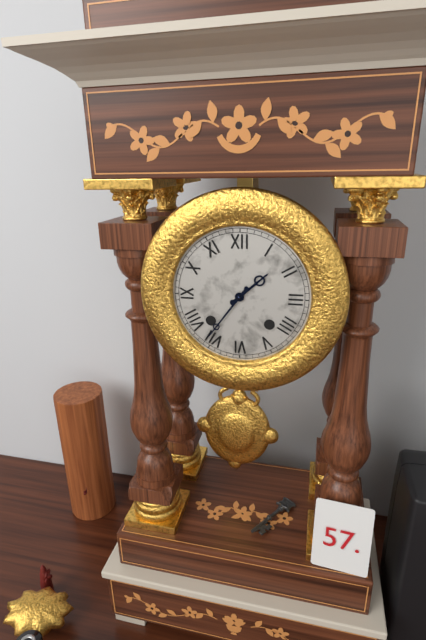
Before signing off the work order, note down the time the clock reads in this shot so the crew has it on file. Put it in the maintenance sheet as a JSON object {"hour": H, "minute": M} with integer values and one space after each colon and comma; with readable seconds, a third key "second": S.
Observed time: {"hour": 1, "minute": 36}
